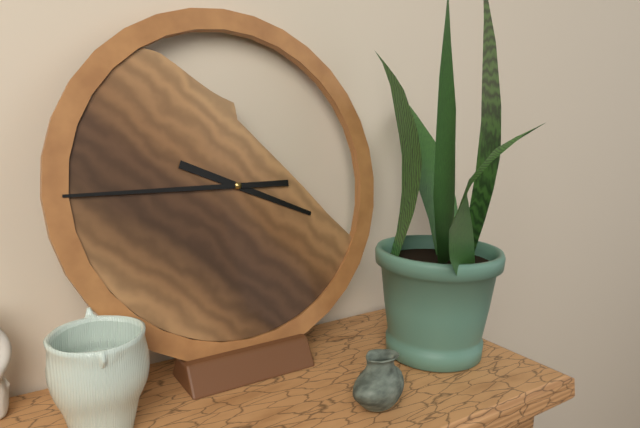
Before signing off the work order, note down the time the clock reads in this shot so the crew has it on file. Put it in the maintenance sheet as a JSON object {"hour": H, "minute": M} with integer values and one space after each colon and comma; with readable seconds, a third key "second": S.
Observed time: {"hour": 3, "minute": 45}
